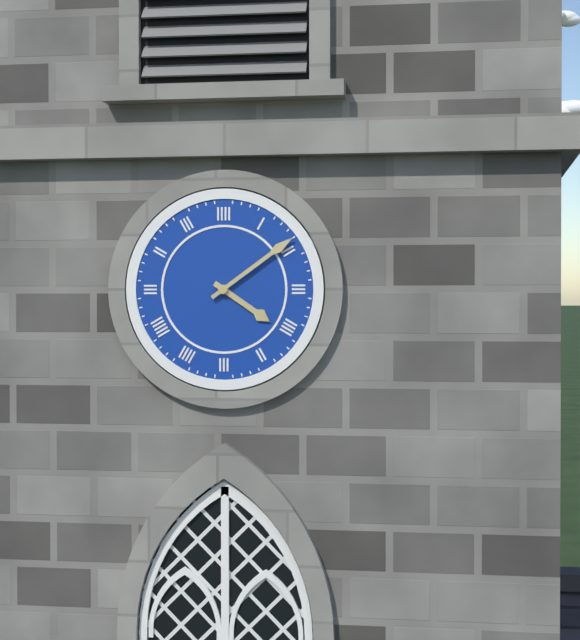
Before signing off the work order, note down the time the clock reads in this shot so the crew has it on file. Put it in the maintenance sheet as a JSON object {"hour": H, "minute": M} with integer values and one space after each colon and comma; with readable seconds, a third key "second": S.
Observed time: {"hour": 4, "minute": 9}
